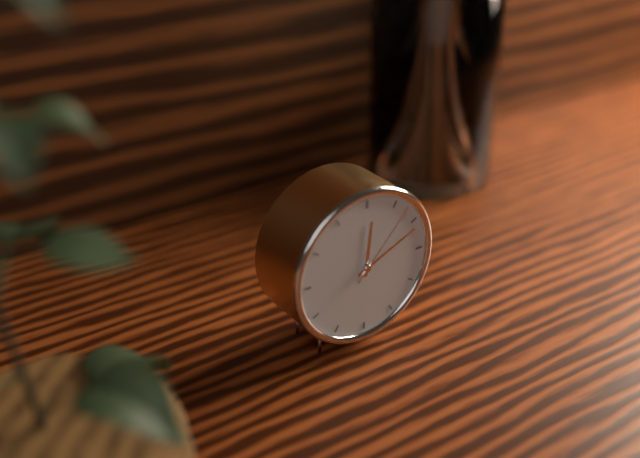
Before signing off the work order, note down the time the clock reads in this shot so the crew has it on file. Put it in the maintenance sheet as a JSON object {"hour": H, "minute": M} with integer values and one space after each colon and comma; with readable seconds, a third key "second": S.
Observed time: {"hour": 12, "minute": 11, "second": 7}
